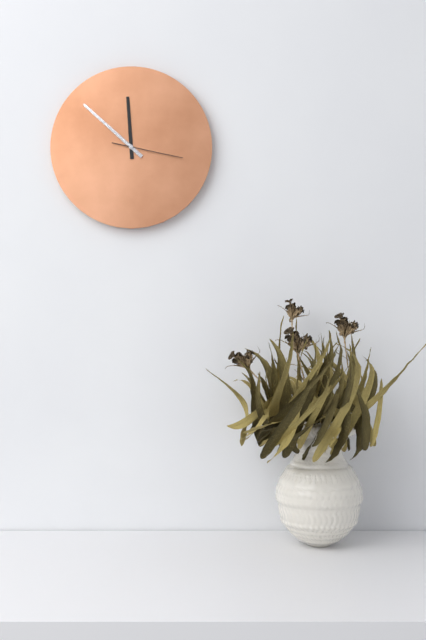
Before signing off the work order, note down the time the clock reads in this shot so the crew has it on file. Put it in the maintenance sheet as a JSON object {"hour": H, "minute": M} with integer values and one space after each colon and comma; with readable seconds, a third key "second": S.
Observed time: {"hour": 11, "minute": 52, "second": 17}
